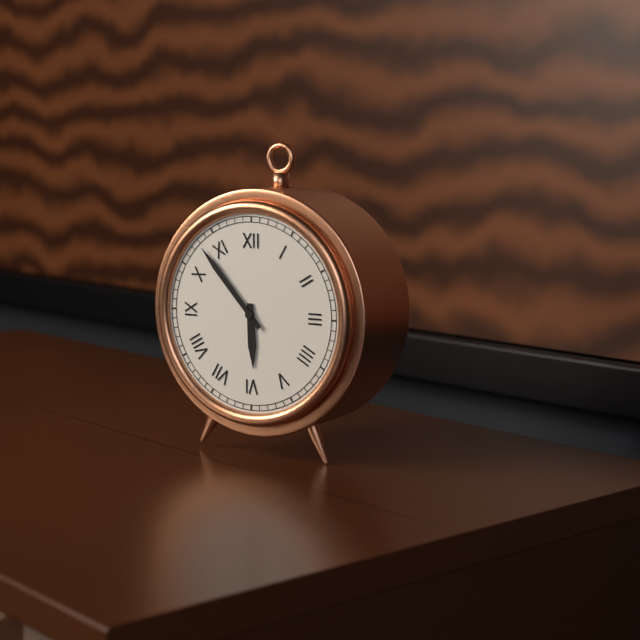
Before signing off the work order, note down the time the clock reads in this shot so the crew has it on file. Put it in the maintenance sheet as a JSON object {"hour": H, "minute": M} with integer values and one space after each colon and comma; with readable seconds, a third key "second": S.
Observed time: {"hour": 5, "minute": 53}
